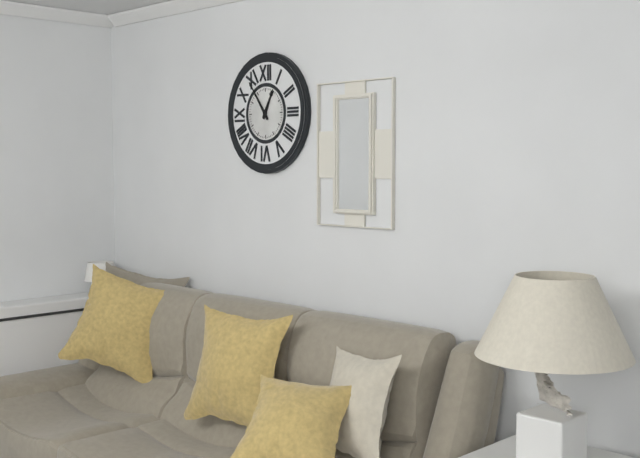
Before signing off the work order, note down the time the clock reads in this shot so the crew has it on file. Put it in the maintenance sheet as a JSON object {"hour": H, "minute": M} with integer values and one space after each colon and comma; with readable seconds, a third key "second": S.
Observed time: {"hour": 12, "minute": 54}
